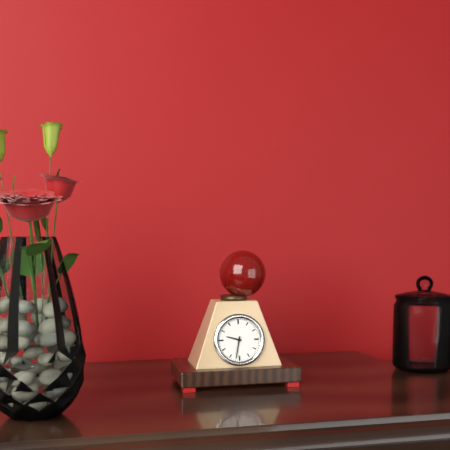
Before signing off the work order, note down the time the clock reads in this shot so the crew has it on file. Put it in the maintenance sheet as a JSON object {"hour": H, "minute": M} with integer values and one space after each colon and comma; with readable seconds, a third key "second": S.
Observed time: {"hour": 9, "minute": 32}
